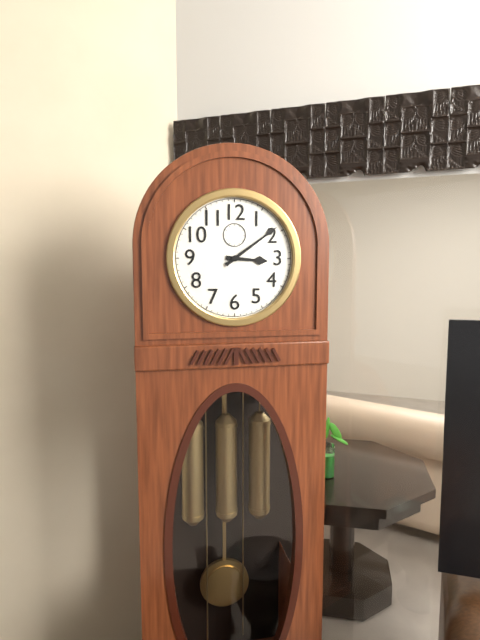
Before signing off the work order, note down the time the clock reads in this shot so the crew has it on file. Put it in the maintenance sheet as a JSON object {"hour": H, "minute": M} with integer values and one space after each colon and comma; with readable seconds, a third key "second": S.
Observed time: {"hour": 3, "minute": 9}
